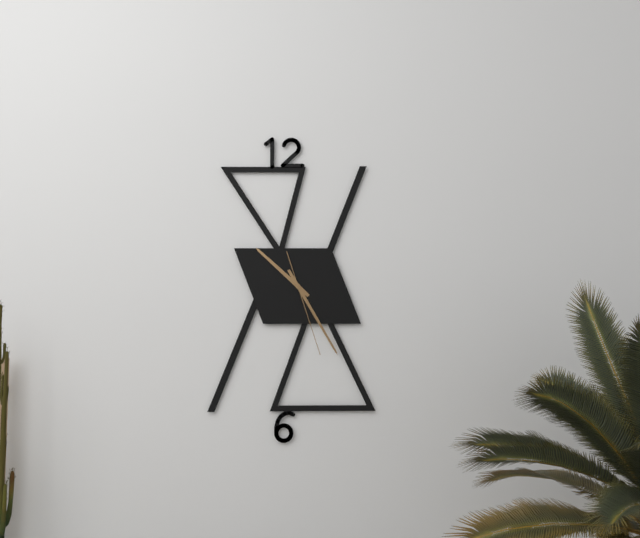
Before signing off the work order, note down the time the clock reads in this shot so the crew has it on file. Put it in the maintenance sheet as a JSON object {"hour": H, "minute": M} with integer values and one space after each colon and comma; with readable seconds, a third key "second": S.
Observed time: {"hour": 10, "minute": 25, "second": 27}
